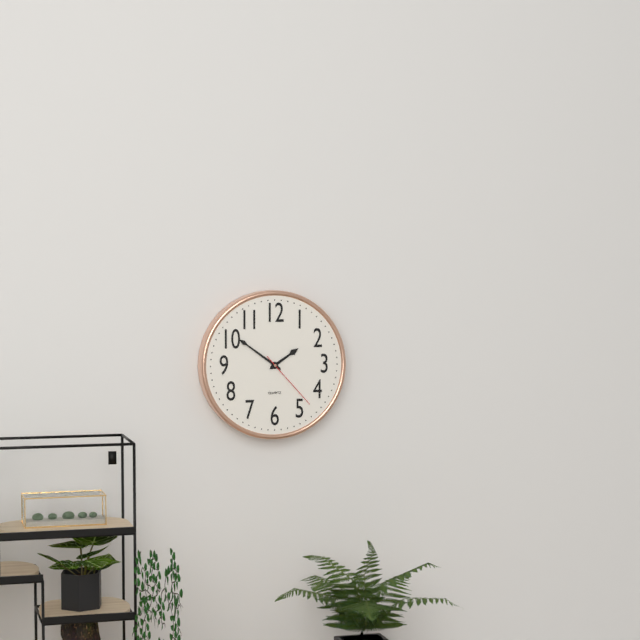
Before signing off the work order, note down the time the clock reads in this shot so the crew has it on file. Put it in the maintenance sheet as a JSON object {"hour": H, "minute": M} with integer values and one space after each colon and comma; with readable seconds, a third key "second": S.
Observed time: {"hour": 1, "minute": 51, "second": 23}
